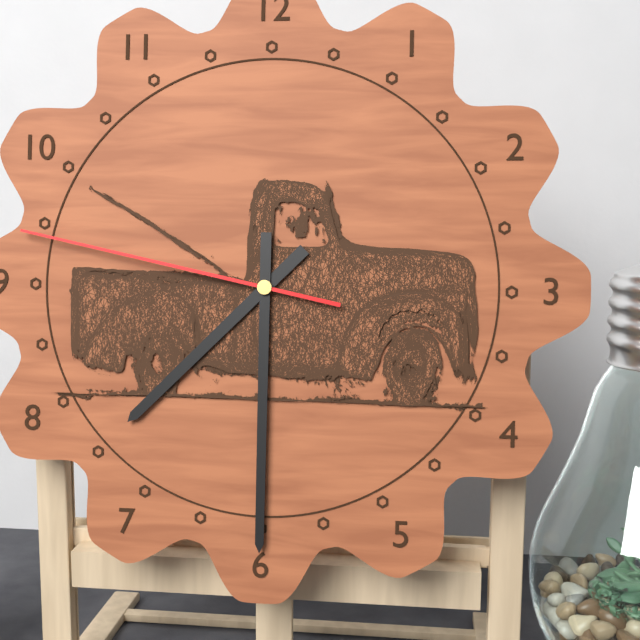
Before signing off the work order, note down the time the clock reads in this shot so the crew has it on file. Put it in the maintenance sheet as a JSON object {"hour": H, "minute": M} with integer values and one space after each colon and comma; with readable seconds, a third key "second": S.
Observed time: {"hour": 7, "minute": 30, "second": 47}
